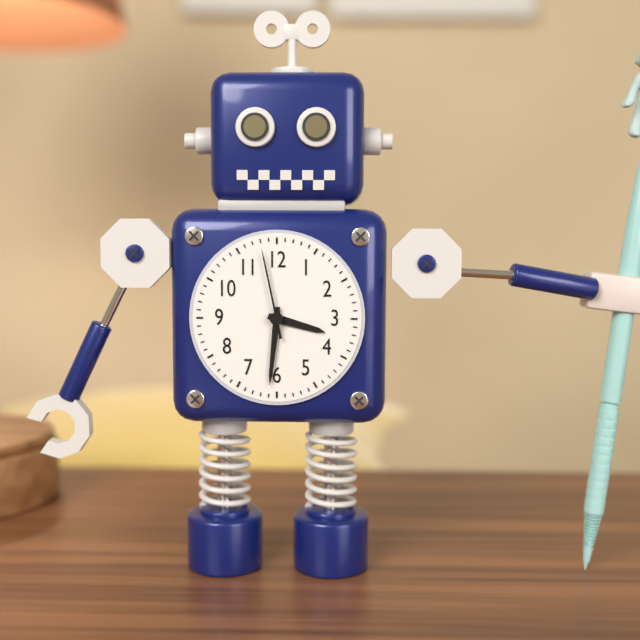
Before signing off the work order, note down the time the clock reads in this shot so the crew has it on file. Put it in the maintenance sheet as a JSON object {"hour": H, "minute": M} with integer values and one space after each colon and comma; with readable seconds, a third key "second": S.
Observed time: {"hour": 3, "minute": 31, "second": 58}
